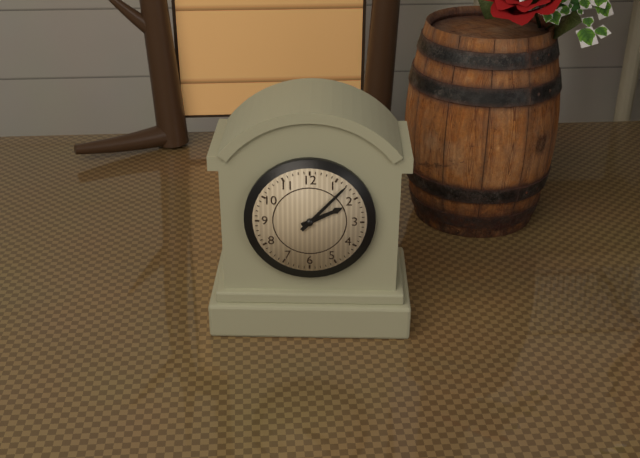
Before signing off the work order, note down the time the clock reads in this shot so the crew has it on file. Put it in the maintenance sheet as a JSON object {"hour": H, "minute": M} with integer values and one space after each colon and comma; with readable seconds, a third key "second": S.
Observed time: {"hour": 2, "minute": 7}
